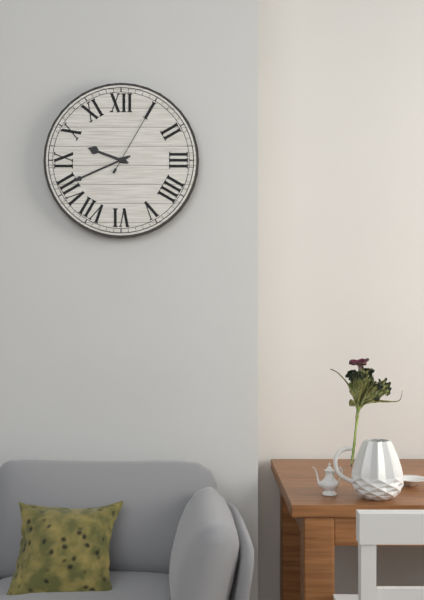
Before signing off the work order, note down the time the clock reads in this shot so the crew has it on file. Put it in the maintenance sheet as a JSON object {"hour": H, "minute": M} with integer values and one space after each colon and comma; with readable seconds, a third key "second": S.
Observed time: {"hour": 9, "minute": 41, "second": 5}
